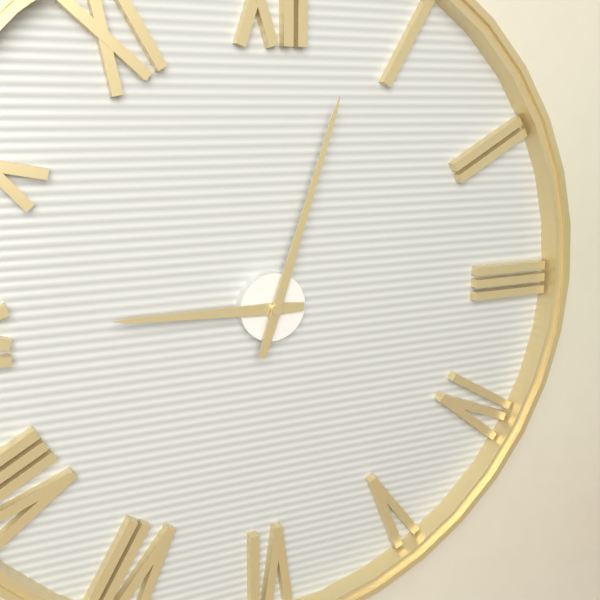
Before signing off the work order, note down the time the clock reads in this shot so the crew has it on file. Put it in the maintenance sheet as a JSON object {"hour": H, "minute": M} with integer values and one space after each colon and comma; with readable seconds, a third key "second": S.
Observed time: {"hour": 9, "minute": 3}
